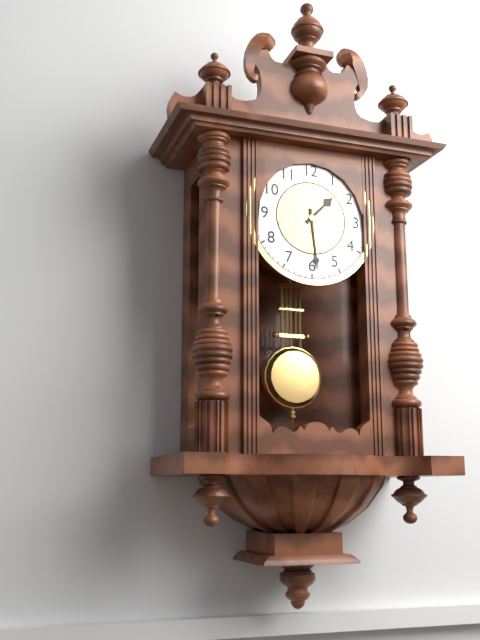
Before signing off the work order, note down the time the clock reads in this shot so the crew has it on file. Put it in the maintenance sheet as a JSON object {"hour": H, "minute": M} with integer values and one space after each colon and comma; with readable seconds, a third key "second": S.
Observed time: {"hour": 1, "minute": 29}
